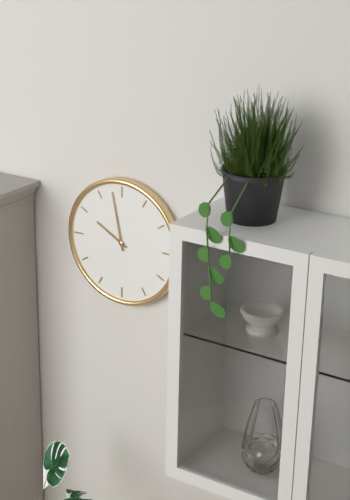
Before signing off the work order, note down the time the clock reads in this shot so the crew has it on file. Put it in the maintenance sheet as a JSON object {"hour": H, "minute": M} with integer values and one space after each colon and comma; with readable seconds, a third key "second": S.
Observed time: {"hour": 9, "minute": 58}
